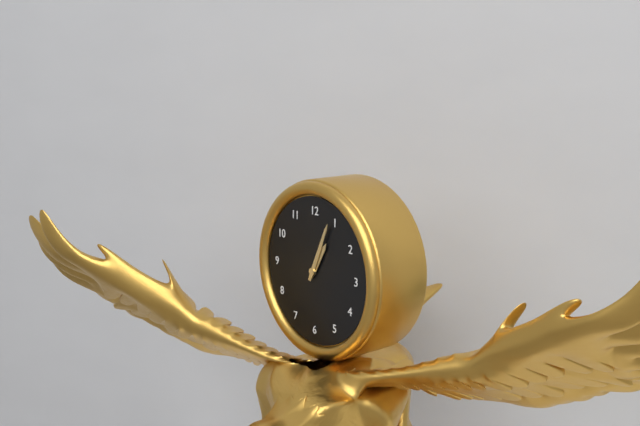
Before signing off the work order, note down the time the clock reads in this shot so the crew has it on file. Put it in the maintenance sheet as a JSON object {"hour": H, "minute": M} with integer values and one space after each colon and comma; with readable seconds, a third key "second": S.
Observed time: {"hour": 1, "minute": 4}
